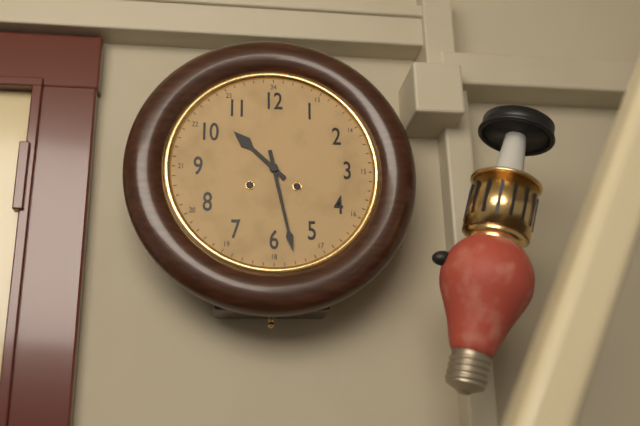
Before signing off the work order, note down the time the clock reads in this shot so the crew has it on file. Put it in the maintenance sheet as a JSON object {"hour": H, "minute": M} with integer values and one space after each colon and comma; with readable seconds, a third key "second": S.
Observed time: {"hour": 10, "minute": 28}
